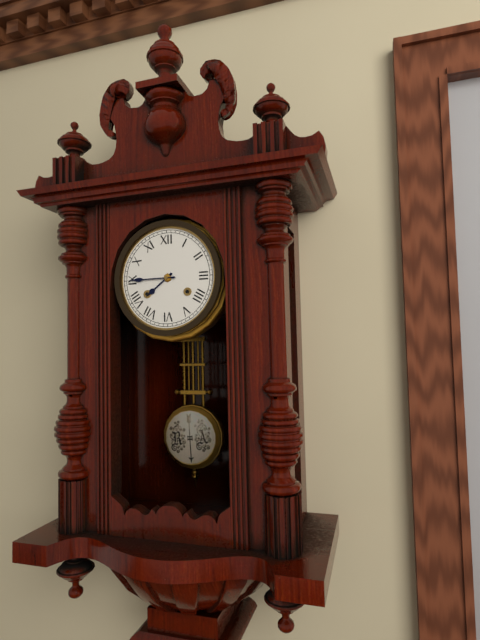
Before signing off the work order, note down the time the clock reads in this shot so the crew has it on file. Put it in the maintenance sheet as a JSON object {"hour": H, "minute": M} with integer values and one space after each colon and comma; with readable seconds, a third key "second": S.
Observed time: {"hour": 7, "minute": 45}
